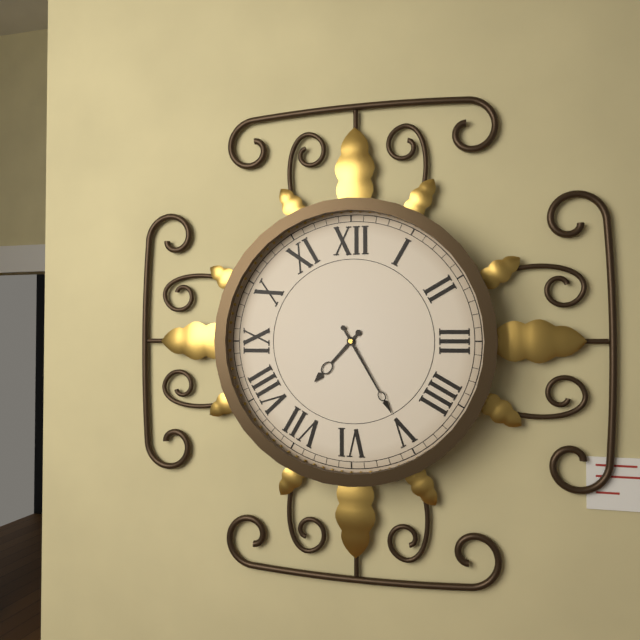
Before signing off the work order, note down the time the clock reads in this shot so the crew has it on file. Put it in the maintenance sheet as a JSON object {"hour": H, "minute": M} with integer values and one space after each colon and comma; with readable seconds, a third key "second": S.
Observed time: {"hour": 7, "minute": 25}
